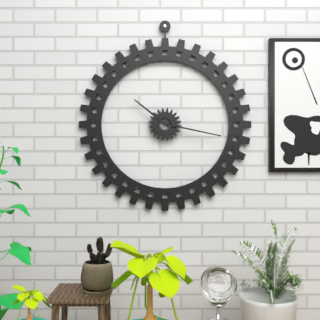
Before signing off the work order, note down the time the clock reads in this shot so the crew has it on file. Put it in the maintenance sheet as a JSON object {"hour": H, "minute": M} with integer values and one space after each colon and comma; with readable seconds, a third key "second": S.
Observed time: {"hour": 10, "minute": 17}
